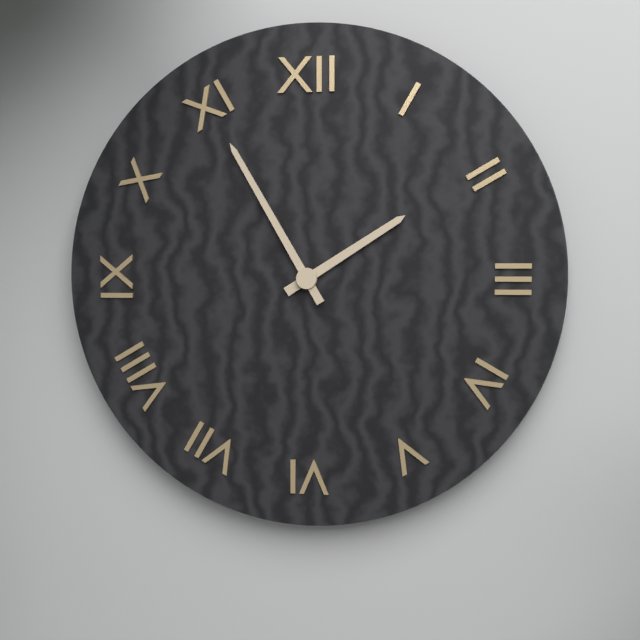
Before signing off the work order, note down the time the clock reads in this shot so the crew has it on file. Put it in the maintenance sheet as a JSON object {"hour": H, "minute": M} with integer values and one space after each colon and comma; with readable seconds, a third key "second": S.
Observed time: {"hour": 1, "minute": 55}
